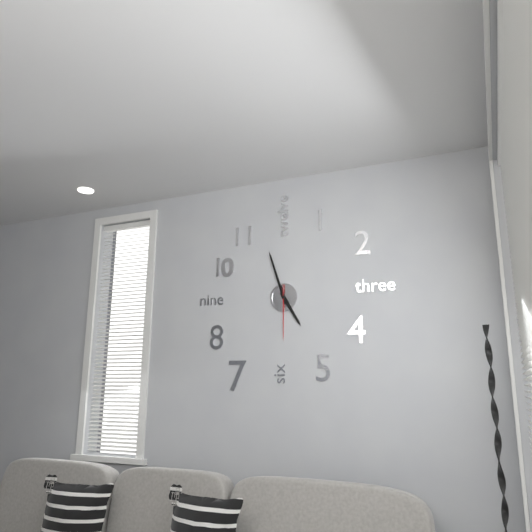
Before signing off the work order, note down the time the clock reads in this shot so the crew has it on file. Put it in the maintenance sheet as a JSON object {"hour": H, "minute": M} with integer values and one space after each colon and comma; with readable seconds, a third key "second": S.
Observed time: {"hour": 4, "minute": 57, "second": 30}
